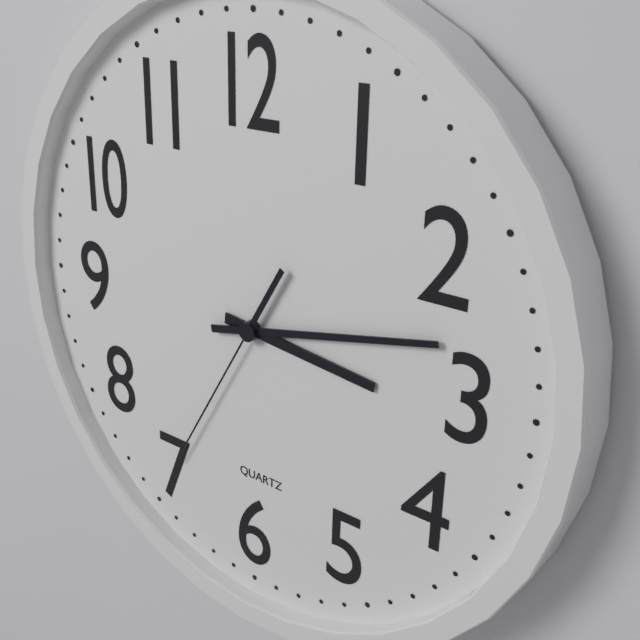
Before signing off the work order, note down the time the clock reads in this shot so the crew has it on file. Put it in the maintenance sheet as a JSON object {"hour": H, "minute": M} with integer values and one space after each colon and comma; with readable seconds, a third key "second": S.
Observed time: {"hour": 3, "minute": 13, "second": 35}
